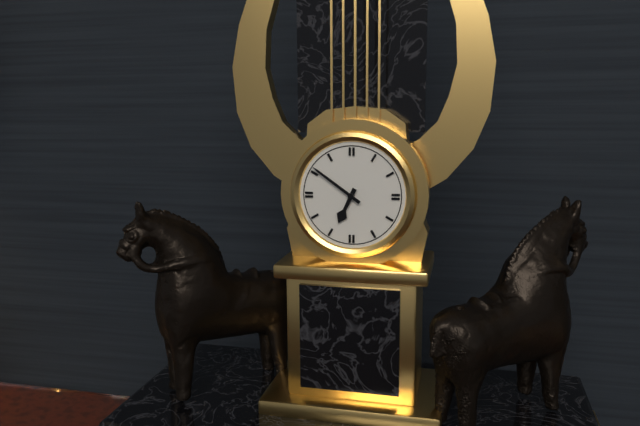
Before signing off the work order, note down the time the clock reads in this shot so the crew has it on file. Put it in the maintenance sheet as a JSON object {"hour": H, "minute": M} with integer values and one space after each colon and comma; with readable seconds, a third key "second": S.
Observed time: {"hour": 6, "minute": 51}
